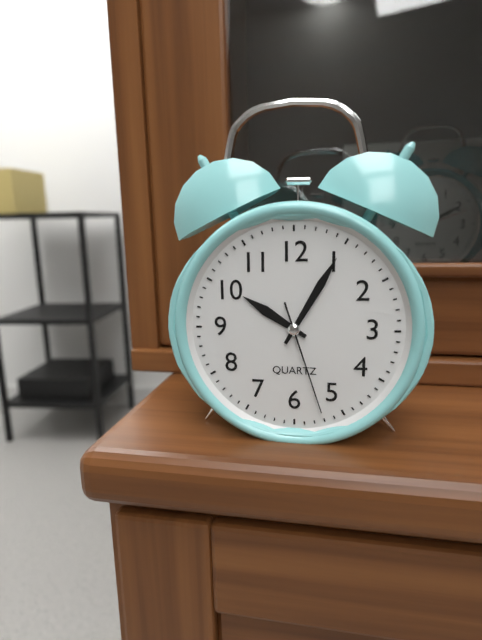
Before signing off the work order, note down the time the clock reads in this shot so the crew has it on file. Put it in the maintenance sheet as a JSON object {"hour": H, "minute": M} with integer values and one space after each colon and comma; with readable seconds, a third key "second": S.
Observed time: {"hour": 10, "minute": 5, "second": 27}
